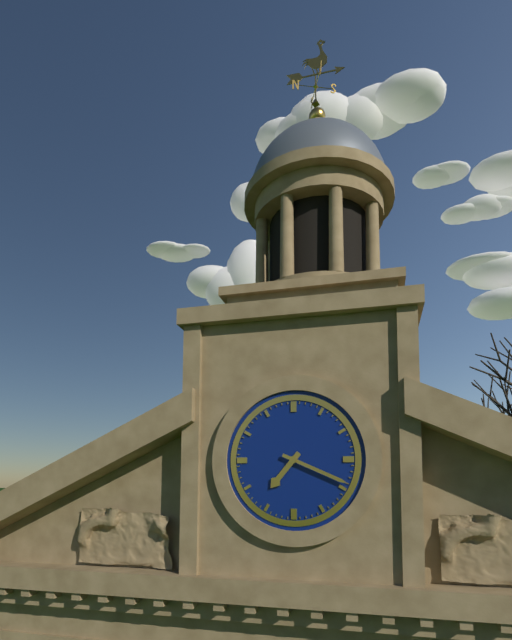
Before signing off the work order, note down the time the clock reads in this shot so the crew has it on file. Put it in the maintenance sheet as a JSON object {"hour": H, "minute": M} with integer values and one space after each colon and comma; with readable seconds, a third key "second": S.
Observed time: {"hour": 7, "minute": 19}
